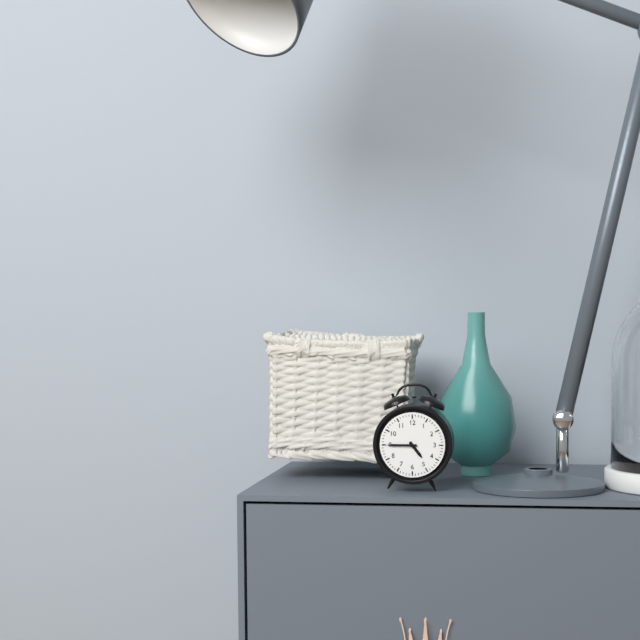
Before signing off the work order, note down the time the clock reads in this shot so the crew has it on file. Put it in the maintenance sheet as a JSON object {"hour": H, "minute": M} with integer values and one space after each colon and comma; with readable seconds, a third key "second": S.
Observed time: {"hour": 4, "minute": 45}
